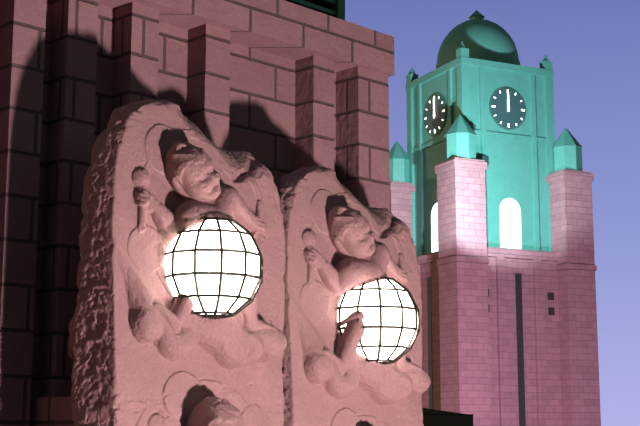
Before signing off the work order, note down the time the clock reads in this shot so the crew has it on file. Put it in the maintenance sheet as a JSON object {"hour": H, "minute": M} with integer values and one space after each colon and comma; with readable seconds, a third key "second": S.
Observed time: {"hour": 12, "minute": 0}
